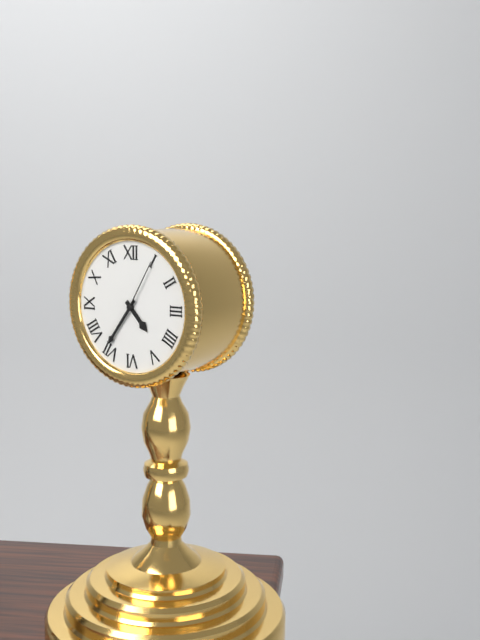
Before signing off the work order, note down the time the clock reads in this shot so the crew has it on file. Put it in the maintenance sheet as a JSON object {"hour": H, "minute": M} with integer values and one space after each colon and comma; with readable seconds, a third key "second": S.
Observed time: {"hour": 4, "minute": 36, "second": 5}
